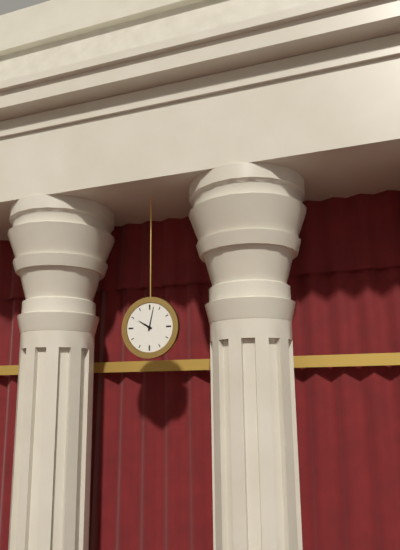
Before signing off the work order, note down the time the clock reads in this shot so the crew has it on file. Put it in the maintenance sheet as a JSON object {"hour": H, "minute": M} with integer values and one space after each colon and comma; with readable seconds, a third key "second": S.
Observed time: {"hour": 10, "minute": 2}
